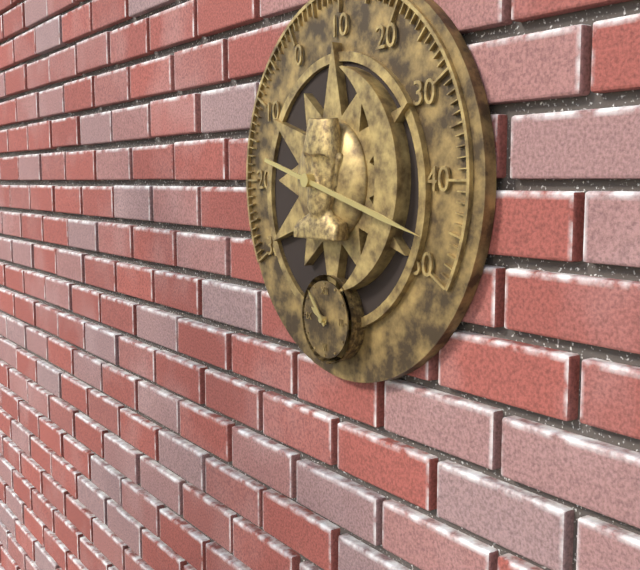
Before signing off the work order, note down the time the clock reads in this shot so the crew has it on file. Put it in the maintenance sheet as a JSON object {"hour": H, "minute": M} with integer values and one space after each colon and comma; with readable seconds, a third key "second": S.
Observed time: {"hour": 9, "minute": 53}
